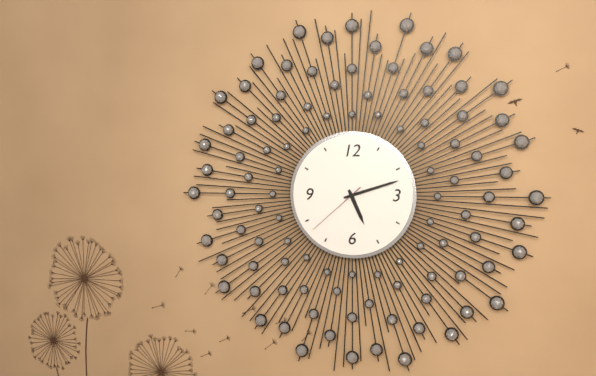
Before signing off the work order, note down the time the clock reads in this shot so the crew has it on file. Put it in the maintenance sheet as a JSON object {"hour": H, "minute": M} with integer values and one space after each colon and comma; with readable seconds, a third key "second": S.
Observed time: {"hour": 5, "minute": 12, "second": 38}
